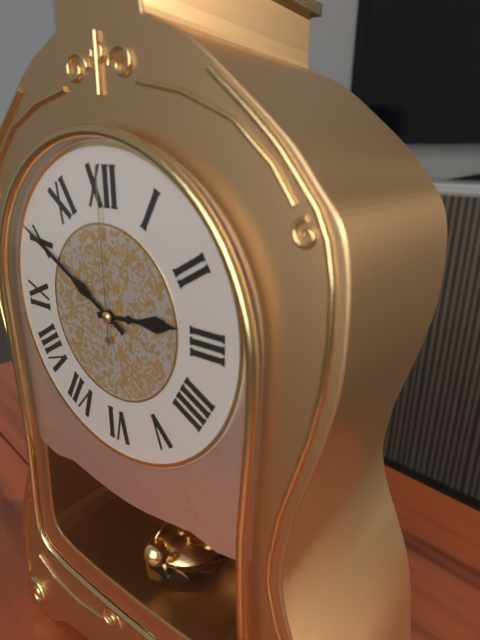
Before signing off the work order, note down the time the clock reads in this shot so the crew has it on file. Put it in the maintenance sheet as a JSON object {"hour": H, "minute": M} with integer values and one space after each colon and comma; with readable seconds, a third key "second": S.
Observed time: {"hour": 2, "minute": 50, "second": 0}
